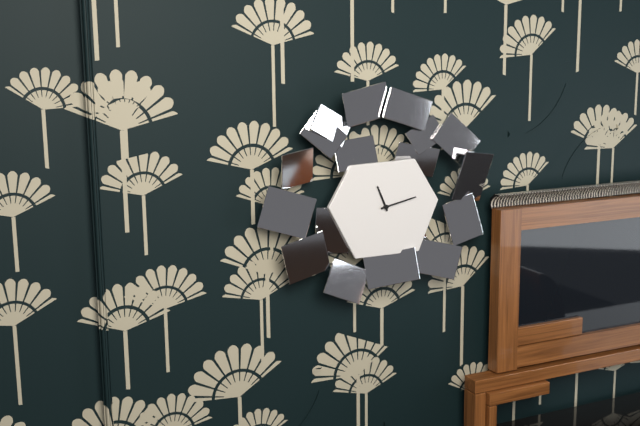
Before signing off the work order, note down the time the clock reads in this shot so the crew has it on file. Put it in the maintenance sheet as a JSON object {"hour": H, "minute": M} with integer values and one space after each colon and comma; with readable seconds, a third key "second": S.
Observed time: {"hour": 11, "minute": 13}
